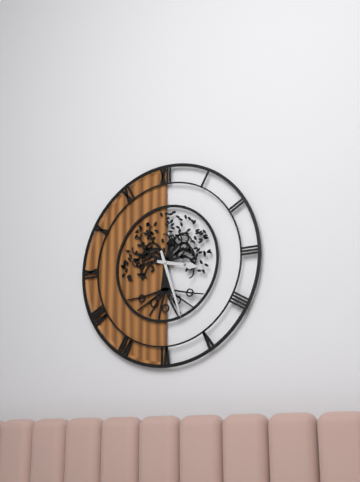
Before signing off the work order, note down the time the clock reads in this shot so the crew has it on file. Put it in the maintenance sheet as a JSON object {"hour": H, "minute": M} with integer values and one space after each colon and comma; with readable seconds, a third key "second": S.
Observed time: {"hour": 3, "minute": 27}
